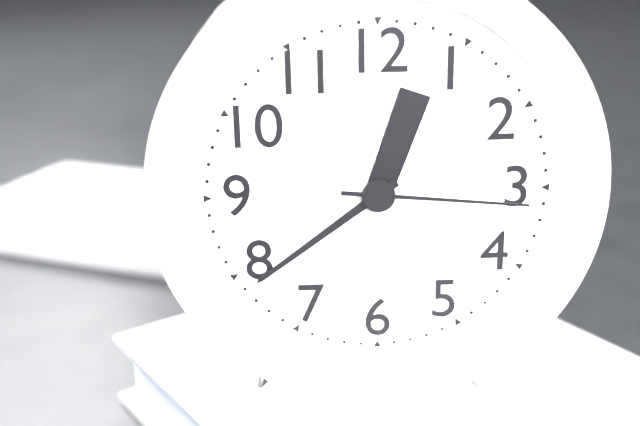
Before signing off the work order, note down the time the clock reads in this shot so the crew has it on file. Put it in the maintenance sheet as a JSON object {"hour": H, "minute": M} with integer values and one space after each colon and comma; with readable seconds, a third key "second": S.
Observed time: {"hour": 12, "minute": 39, "second": 16}
